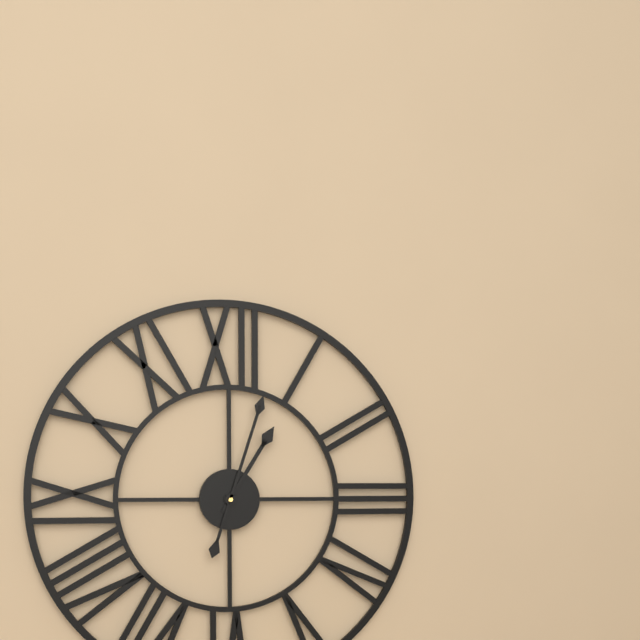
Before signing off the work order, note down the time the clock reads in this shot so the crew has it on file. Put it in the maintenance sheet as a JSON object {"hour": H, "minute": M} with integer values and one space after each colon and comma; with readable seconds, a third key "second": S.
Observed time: {"hour": 1, "minute": 3}
